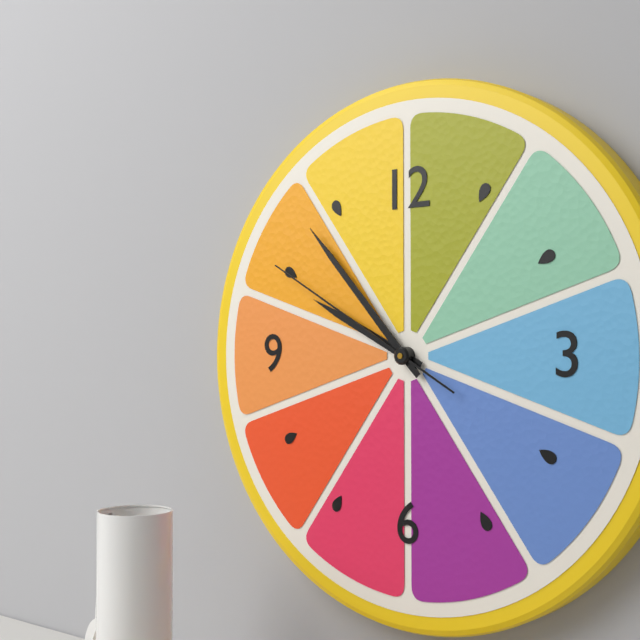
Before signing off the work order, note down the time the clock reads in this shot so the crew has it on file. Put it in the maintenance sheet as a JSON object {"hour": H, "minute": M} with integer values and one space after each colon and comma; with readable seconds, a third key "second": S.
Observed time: {"hour": 9, "minute": 53, "second": 50}
